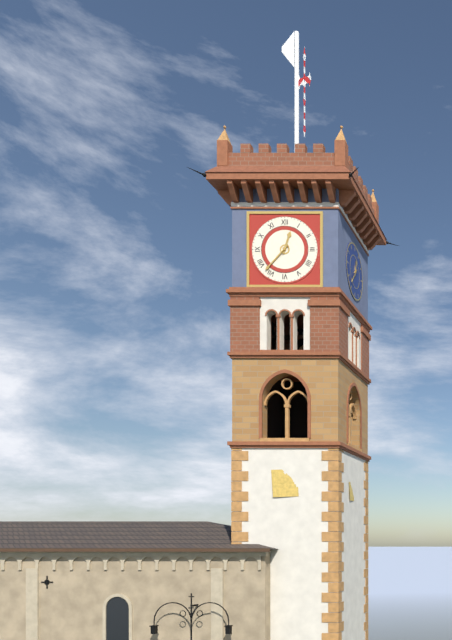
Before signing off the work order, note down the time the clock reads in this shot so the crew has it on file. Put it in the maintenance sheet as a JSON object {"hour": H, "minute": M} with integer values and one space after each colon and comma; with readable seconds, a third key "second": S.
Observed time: {"hour": 12, "minute": 37}
